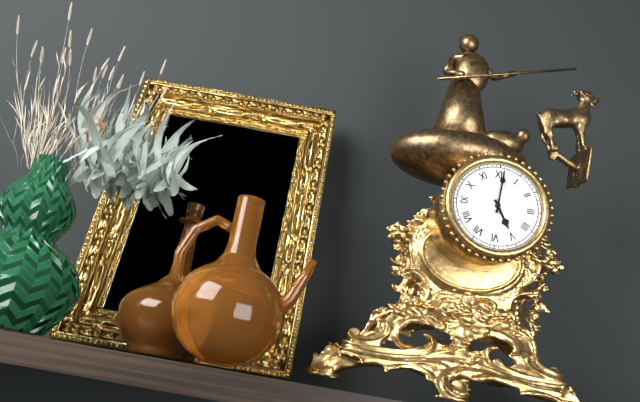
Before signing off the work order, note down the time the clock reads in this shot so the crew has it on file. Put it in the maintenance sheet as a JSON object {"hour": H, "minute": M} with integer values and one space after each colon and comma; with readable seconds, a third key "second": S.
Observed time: {"hour": 5, "minute": 1}
